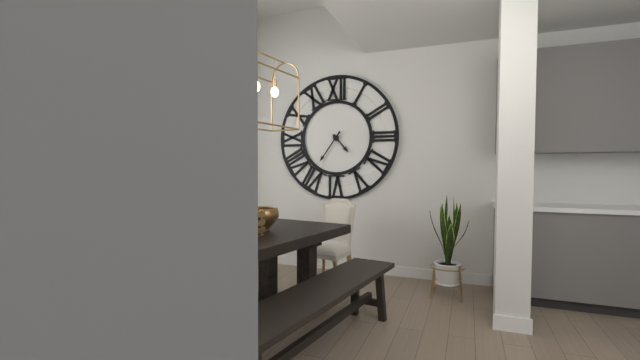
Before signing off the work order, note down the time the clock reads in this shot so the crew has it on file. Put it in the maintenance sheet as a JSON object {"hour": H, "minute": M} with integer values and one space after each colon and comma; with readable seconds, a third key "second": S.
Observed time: {"hour": 4, "minute": 36}
